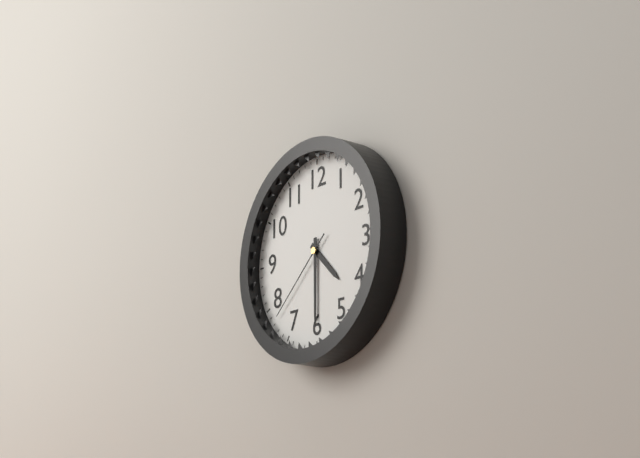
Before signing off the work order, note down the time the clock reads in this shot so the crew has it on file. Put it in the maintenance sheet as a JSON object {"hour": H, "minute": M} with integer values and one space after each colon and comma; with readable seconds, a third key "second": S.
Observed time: {"hour": 4, "minute": 30, "second": 38}
